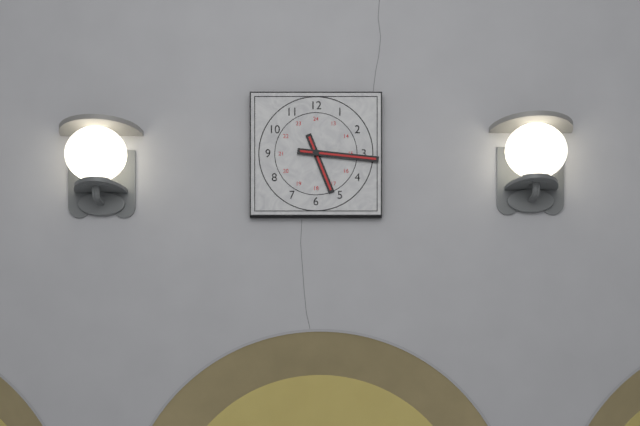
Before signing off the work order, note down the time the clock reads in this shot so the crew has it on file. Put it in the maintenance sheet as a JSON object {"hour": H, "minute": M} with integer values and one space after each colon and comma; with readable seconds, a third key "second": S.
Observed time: {"hour": 5, "minute": 16}
